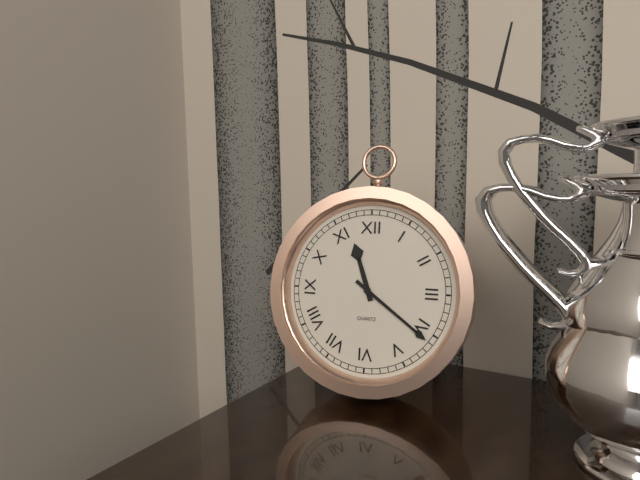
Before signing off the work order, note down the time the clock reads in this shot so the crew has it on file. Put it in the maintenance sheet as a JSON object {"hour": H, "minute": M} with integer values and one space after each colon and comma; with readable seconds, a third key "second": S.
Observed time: {"hour": 11, "minute": 21}
